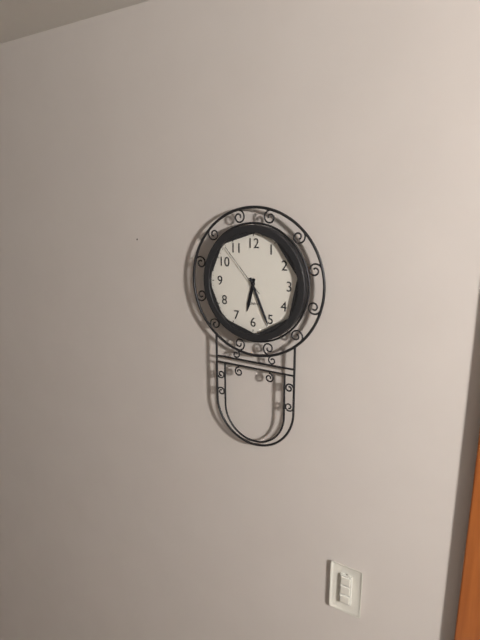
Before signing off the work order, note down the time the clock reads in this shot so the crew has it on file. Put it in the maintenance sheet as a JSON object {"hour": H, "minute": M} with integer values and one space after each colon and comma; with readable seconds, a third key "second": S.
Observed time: {"hour": 6, "minute": 26, "second": 53}
